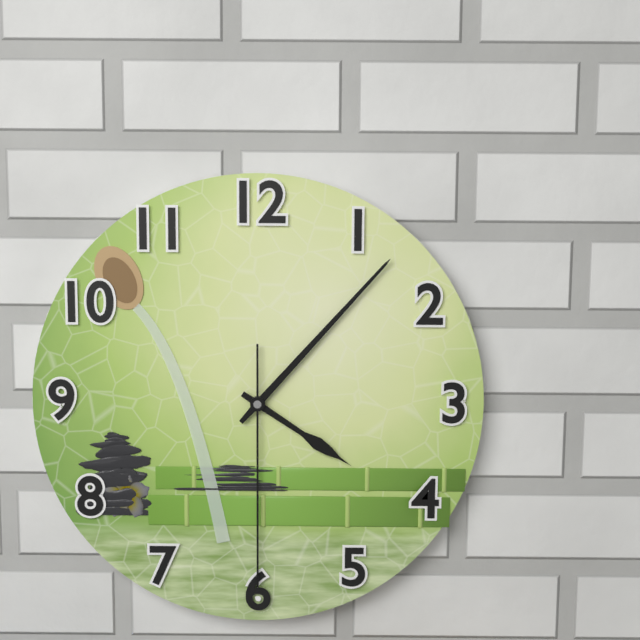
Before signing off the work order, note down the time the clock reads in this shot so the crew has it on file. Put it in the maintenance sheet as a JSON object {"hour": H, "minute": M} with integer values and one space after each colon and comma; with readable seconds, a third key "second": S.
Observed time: {"hour": 4, "minute": 7, "second": 30}
